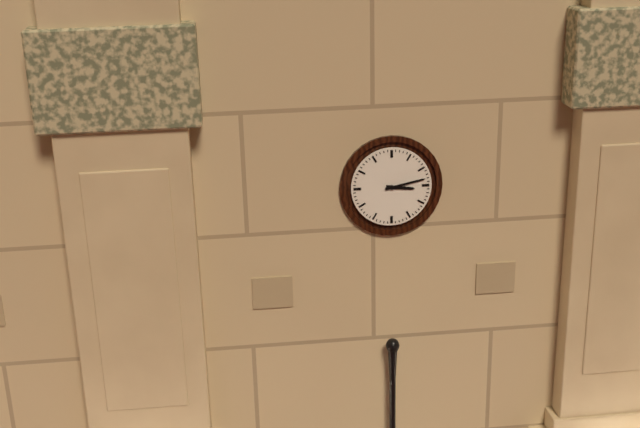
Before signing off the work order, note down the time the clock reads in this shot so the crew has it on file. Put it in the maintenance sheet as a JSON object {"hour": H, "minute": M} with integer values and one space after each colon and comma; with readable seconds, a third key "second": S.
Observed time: {"hour": 3, "minute": 13}
